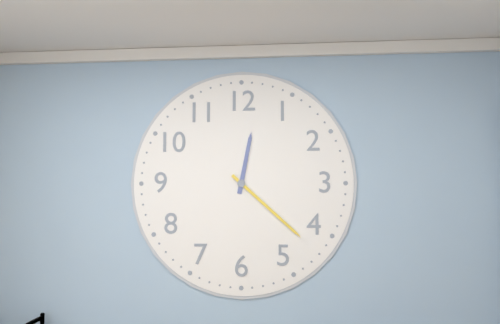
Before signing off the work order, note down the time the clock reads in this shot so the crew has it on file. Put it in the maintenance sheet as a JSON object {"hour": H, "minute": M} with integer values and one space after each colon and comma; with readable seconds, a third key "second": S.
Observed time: {"hour": 12, "minute": 22}
